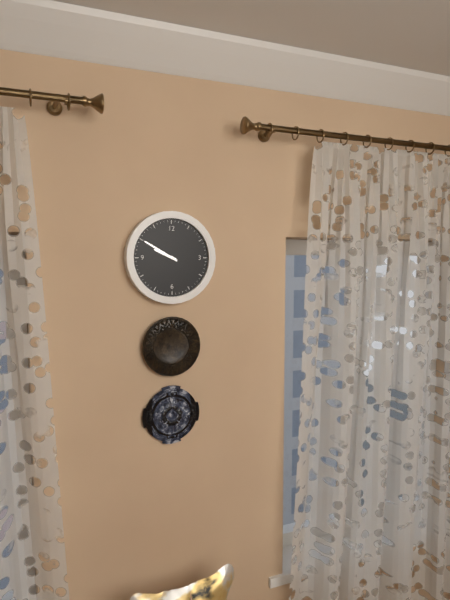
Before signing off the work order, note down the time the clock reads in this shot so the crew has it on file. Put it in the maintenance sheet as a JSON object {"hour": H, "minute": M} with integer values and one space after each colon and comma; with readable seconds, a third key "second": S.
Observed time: {"hour": 9, "minute": 50}
